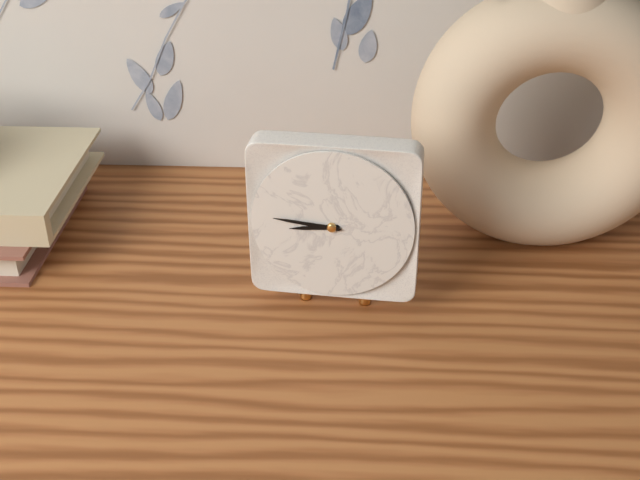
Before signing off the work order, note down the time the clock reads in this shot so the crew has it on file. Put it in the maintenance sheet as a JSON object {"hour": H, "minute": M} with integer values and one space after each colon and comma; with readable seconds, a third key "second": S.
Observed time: {"hour": 8, "minute": 46}
